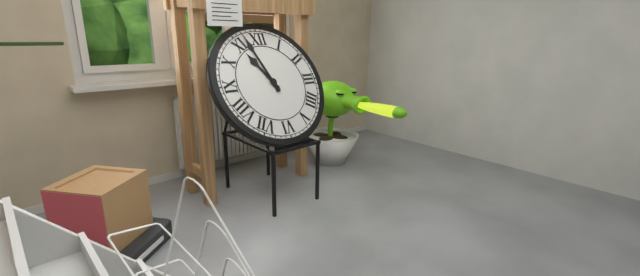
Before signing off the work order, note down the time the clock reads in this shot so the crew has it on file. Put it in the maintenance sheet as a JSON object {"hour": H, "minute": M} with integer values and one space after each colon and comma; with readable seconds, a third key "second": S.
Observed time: {"hour": 10, "minute": 57}
